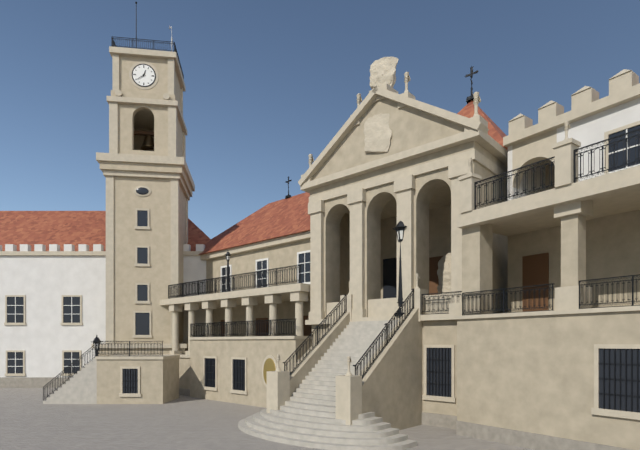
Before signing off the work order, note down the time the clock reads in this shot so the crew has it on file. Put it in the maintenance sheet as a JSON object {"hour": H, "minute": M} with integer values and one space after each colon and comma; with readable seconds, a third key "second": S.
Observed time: {"hour": 12, "minute": 39}
